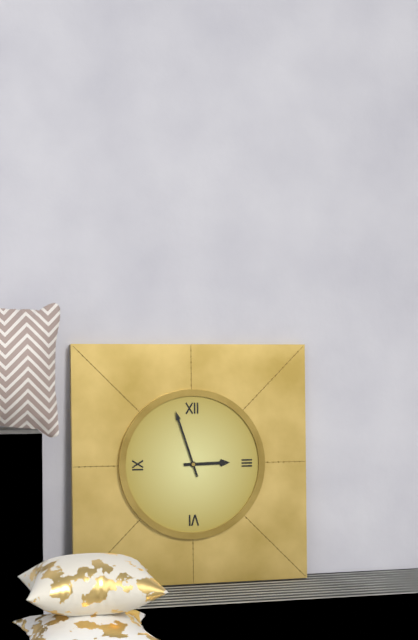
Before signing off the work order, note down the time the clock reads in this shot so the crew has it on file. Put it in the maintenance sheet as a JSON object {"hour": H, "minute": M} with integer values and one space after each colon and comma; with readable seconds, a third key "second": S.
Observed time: {"hour": 2, "minute": 57}
